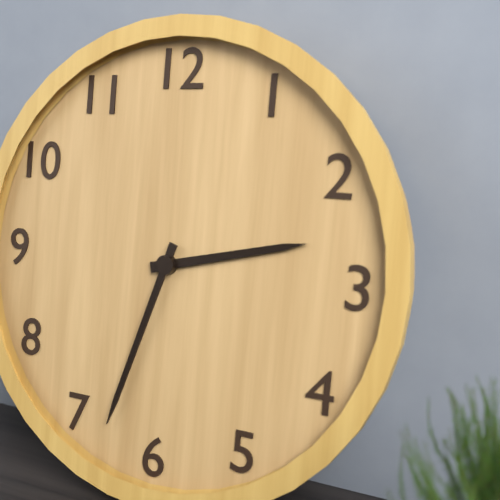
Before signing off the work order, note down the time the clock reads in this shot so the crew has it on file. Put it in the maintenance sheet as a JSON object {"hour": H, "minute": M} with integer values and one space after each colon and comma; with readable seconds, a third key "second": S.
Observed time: {"hour": 2, "minute": 33}
